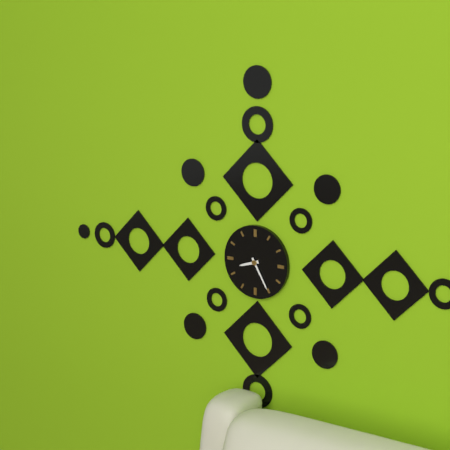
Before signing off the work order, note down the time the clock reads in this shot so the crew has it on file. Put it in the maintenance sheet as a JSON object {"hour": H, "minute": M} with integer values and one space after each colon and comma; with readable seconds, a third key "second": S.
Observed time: {"hour": 8, "minute": 25}
